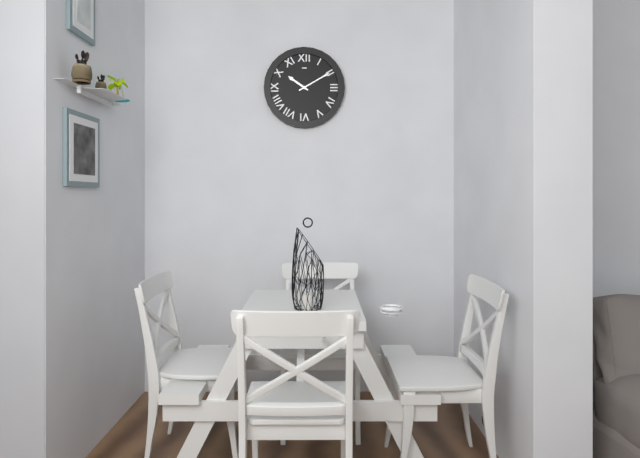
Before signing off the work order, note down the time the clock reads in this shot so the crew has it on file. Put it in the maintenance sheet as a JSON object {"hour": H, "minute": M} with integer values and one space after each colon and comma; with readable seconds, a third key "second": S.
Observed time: {"hour": 10, "minute": 10}
